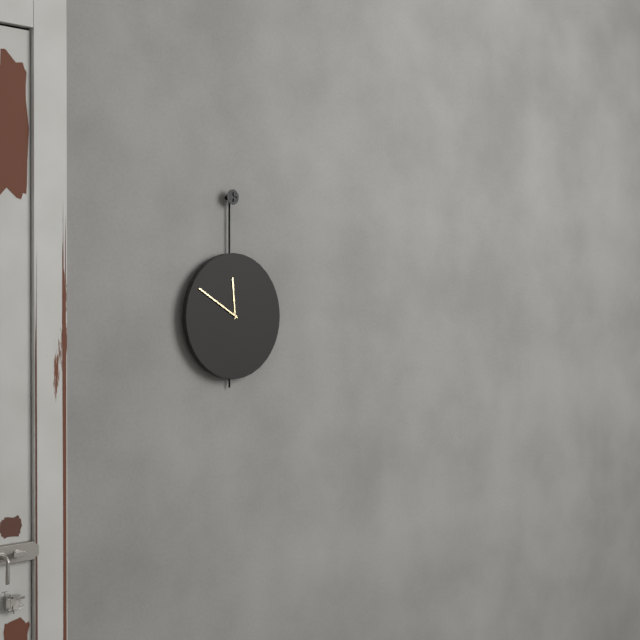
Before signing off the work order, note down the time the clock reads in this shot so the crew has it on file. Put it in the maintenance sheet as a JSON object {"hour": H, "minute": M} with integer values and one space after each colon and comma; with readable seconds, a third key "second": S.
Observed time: {"hour": 11, "minute": 50}
